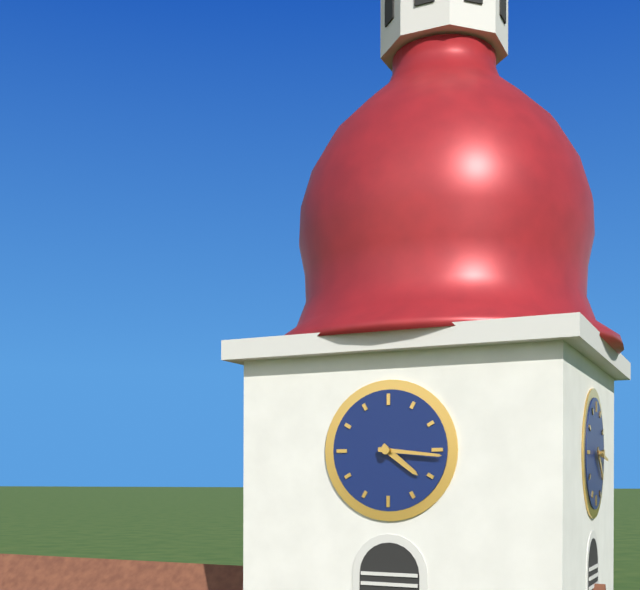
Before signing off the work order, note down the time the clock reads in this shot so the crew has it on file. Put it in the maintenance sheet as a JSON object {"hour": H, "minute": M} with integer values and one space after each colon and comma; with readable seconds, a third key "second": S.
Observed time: {"hour": 4, "minute": 16}
